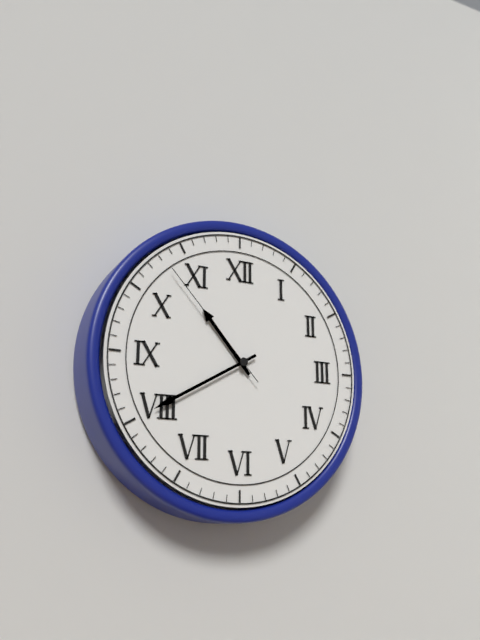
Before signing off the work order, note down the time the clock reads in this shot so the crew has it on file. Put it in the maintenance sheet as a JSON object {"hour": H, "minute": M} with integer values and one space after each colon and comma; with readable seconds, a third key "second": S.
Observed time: {"hour": 10, "minute": 40, "second": 53}
